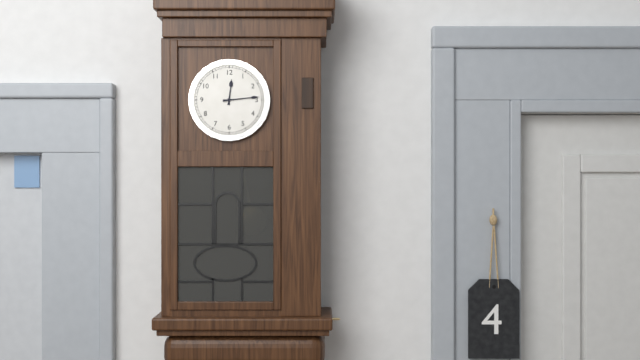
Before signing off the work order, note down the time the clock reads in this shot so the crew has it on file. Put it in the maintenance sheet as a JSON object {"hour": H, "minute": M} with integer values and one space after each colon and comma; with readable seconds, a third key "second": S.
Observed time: {"hour": 12, "minute": 14}
